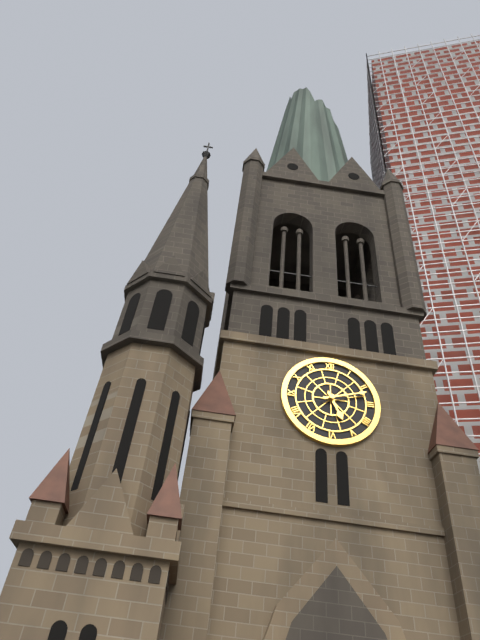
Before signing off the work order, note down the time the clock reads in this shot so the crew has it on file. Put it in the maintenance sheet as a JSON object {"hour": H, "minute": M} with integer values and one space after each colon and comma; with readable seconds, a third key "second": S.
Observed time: {"hour": 5, "minute": 12}
